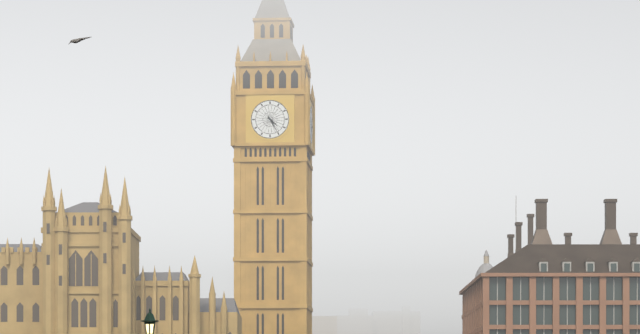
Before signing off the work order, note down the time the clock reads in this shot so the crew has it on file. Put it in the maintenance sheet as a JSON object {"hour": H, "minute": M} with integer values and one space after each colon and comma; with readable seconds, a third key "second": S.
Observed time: {"hour": 4, "minute": 25}
